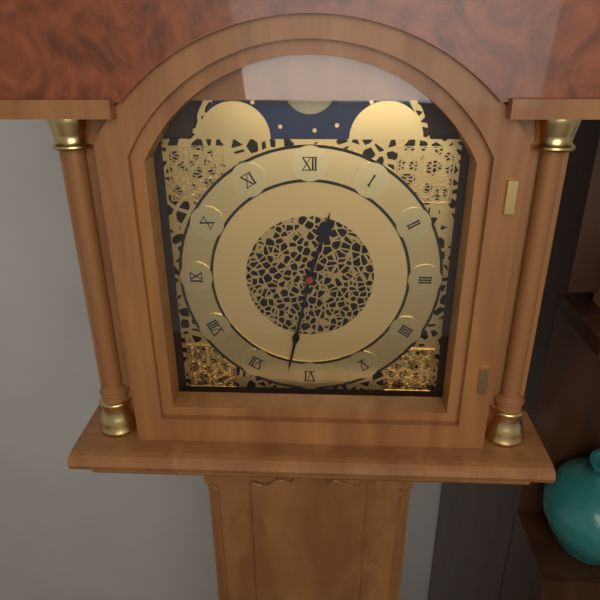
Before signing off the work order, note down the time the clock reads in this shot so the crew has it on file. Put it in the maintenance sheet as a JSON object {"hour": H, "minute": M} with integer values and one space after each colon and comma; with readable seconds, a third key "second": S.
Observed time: {"hour": 12, "minute": 32}
